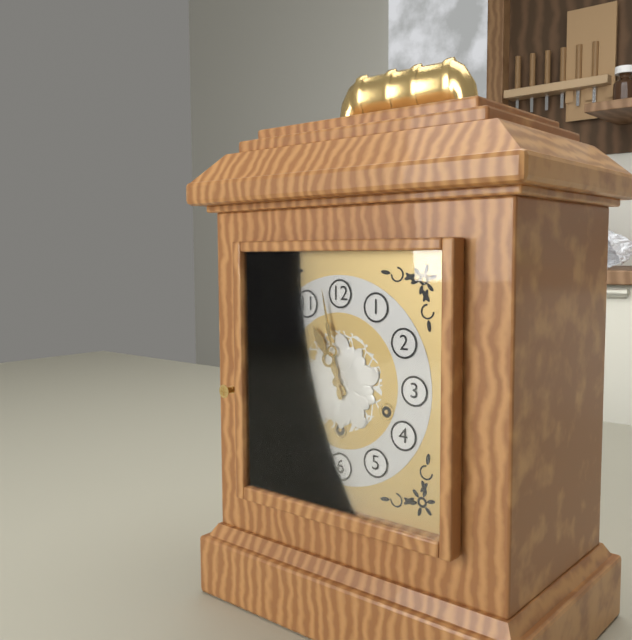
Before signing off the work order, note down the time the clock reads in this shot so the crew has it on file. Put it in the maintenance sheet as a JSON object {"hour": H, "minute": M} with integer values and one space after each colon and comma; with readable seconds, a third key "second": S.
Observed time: {"hour": 10, "minute": 58}
